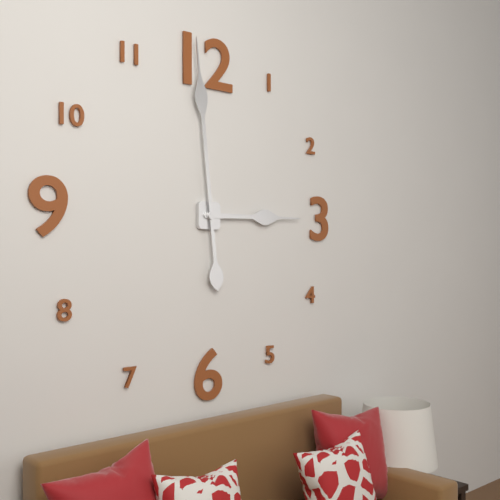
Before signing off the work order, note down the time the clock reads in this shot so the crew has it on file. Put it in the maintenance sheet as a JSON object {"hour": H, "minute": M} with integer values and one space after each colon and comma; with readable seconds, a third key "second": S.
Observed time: {"hour": 2, "minute": 59}
